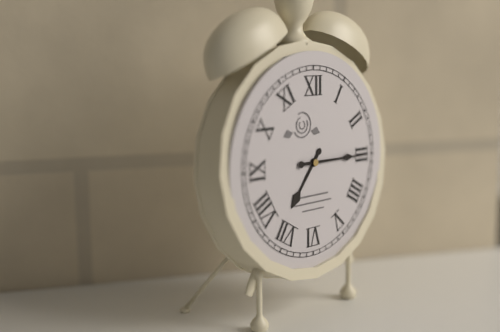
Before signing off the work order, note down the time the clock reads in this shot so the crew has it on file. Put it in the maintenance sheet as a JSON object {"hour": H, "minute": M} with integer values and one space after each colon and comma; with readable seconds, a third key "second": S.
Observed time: {"hour": 7, "minute": 15}
